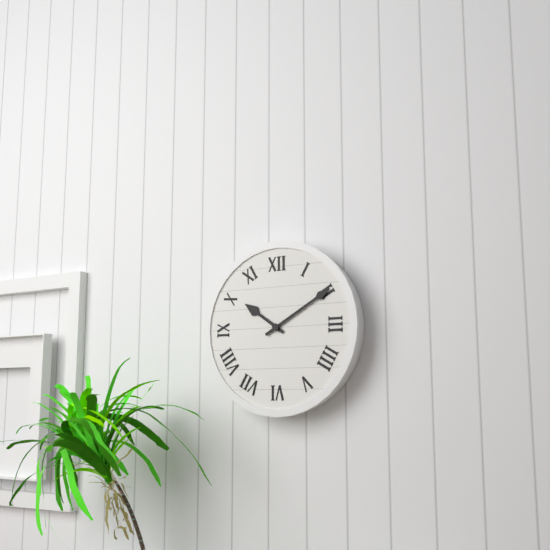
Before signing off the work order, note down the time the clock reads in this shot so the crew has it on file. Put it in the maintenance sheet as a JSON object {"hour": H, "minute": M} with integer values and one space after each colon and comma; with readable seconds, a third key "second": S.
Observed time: {"hour": 10, "minute": 10}
